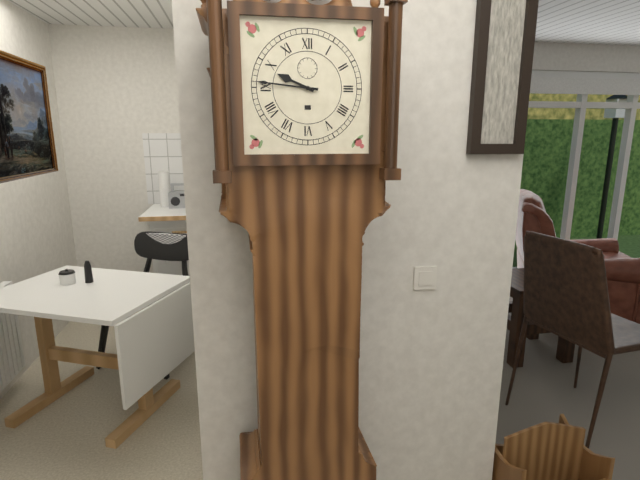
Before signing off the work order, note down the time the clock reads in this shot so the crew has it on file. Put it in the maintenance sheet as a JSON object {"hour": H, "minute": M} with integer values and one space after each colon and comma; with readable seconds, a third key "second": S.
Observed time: {"hour": 9, "minute": 46}
